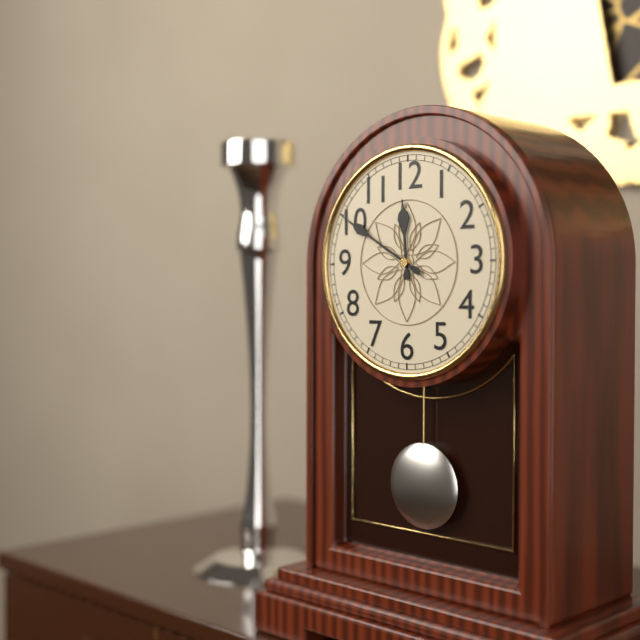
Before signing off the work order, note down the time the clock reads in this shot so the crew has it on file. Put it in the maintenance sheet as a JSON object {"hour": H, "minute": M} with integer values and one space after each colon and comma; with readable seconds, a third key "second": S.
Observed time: {"hour": 11, "minute": 50}
